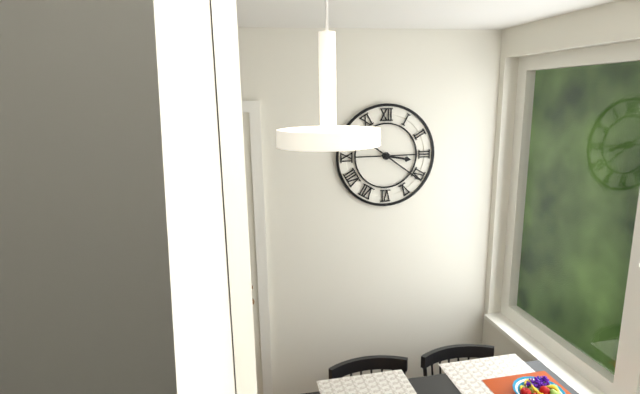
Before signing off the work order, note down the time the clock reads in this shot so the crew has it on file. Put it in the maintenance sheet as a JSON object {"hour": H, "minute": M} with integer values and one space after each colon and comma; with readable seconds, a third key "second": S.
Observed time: {"hour": 3, "minute": 21}
